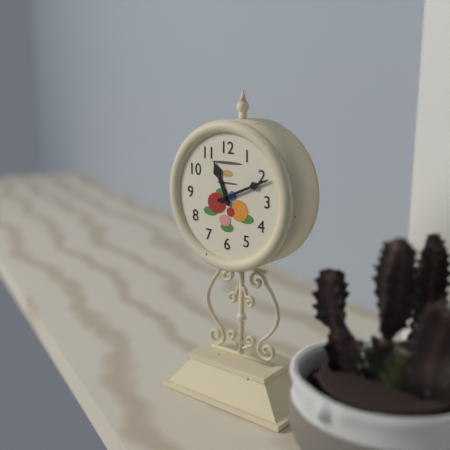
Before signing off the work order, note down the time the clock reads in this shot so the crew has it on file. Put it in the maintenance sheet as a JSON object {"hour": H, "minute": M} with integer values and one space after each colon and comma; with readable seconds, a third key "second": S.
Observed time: {"hour": 11, "minute": 11}
